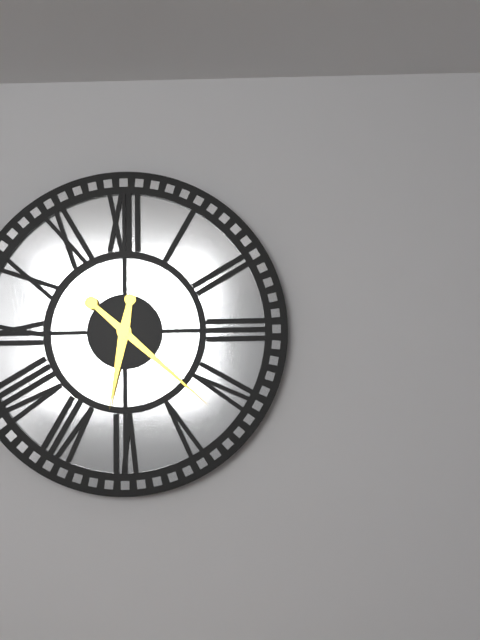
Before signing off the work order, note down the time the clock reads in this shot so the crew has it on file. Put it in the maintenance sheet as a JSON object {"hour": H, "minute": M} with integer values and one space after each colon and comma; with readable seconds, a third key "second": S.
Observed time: {"hour": 6, "minute": 22}
